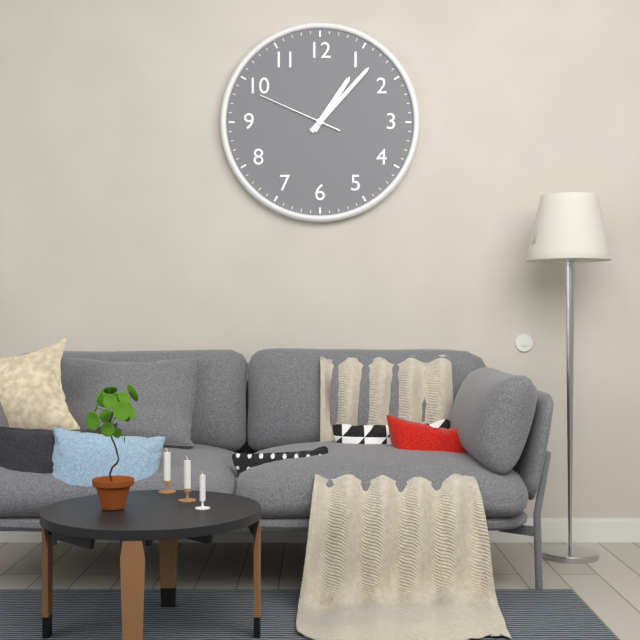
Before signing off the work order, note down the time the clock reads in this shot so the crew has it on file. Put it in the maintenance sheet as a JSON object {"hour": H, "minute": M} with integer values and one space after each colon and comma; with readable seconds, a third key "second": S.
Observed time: {"hour": 1, "minute": 7, "second": 49}
